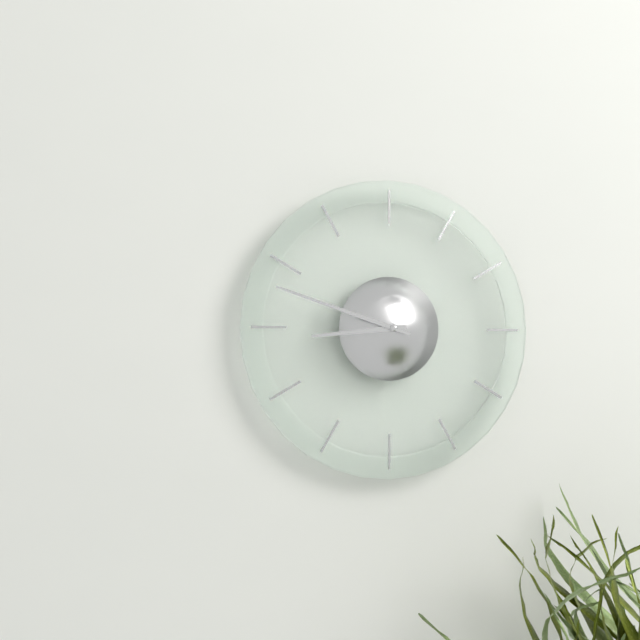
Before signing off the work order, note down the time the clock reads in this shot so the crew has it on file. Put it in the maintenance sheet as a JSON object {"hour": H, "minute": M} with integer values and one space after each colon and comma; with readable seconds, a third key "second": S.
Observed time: {"hour": 8, "minute": 48}
